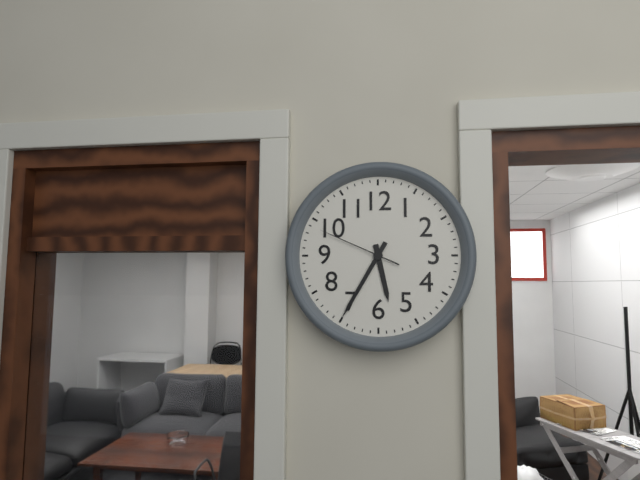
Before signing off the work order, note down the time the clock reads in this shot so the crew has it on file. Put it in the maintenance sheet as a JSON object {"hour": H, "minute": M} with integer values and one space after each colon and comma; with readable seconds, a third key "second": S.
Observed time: {"hour": 5, "minute": 35, "second": 49}
